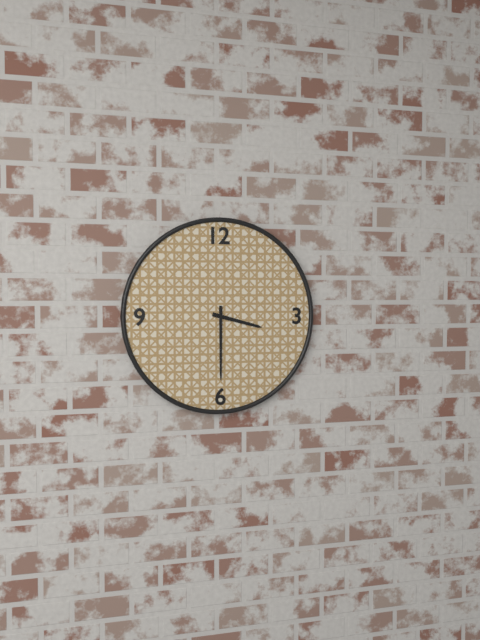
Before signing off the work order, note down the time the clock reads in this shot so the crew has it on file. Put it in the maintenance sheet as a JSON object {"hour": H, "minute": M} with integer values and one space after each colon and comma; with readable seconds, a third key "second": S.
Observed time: {"hour": 3, "minute": 30}
